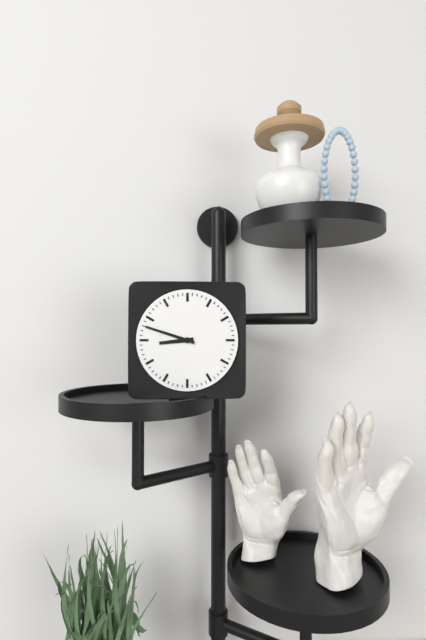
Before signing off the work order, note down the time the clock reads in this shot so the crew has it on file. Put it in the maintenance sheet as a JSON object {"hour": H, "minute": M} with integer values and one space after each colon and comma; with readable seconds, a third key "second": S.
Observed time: {"hour": 8, "minute": 48}
